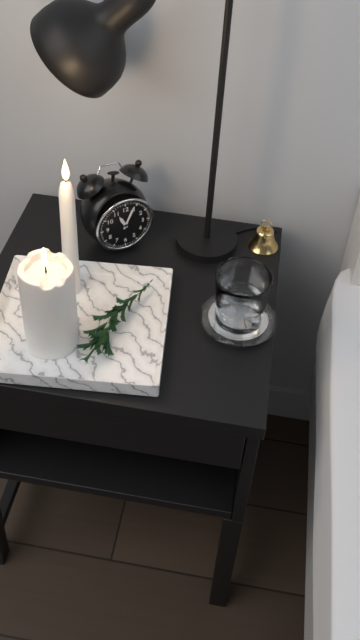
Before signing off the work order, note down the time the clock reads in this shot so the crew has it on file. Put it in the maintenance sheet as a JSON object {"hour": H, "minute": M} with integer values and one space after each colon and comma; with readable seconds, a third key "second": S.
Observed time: {"hour": 11, "minute": 4}
